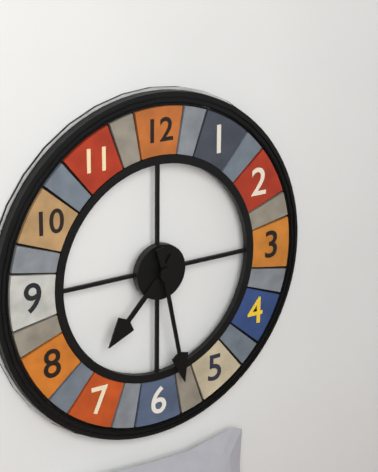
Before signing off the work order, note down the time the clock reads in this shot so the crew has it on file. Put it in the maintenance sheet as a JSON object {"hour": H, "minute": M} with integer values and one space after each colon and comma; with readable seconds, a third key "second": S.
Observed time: {"hour": 7, "minute": 28}
